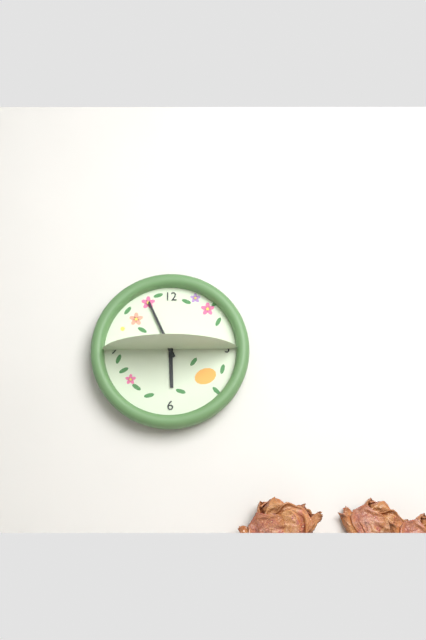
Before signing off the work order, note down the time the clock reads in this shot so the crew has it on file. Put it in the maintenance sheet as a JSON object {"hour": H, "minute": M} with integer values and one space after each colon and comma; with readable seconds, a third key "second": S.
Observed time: {"hour": 5, "minute": 56}
